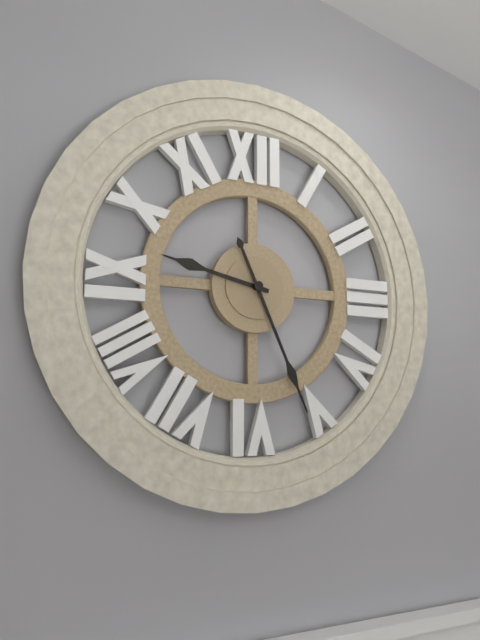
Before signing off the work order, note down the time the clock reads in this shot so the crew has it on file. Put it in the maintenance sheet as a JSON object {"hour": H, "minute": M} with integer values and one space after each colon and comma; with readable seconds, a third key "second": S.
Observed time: {"hour": 9, "minute": 26}
